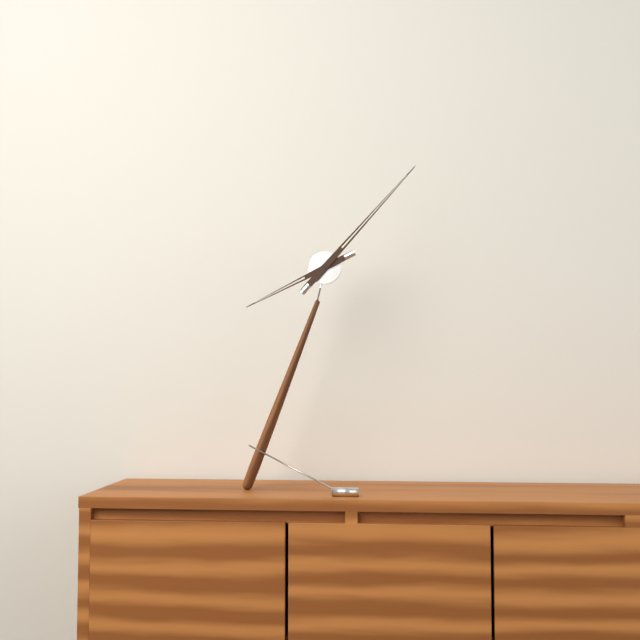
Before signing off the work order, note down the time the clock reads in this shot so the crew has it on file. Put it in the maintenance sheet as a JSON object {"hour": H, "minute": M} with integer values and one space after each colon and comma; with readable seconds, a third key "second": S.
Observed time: {"hour": 8, "minute": 7}
